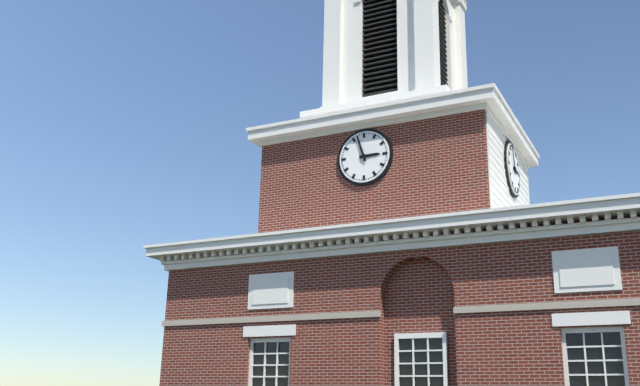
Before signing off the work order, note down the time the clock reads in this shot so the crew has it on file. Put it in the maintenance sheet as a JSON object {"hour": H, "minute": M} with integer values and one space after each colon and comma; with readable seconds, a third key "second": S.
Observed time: {"hour": 2, "minute": 57}
